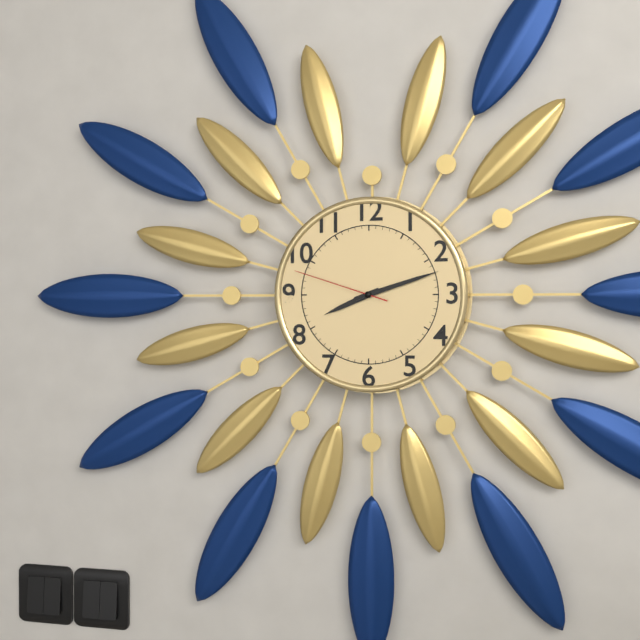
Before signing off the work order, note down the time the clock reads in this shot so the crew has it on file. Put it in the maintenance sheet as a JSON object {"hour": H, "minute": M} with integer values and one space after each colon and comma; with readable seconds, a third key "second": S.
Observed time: {"hour": 8, "minute": 12, "second": 48}
